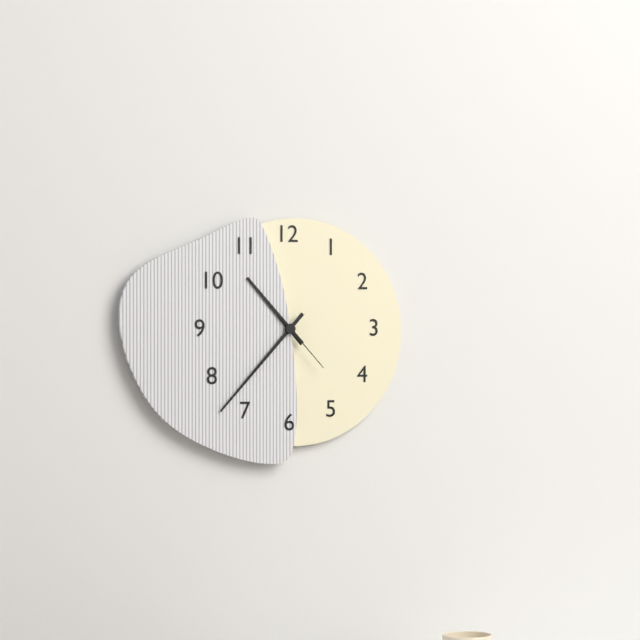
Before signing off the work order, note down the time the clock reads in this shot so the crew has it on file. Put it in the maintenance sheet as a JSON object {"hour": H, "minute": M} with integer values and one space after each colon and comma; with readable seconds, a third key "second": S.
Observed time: {"hour": 10, "minute": 37, "second": 23}
